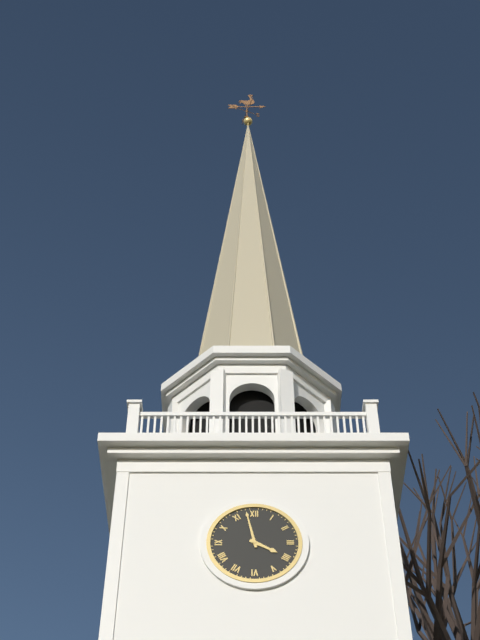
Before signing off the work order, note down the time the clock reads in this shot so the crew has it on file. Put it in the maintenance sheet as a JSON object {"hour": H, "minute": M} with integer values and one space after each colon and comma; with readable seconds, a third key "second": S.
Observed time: {"hour": 3, "minute": 58}
